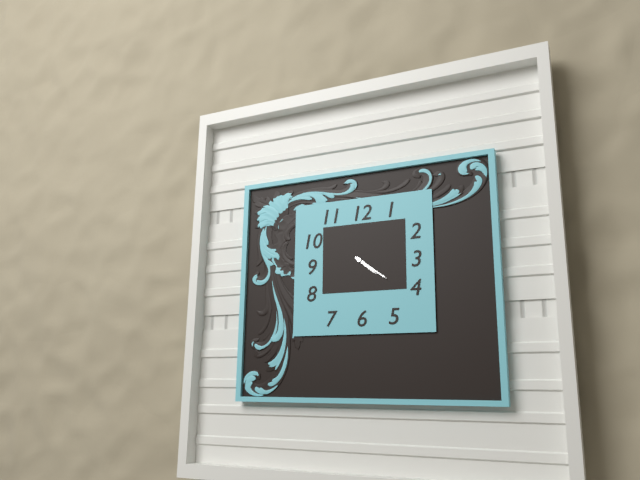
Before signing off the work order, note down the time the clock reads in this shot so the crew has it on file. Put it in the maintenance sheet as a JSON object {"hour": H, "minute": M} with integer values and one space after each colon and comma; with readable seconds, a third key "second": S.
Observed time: {"hour": 4, "minute": 21}
